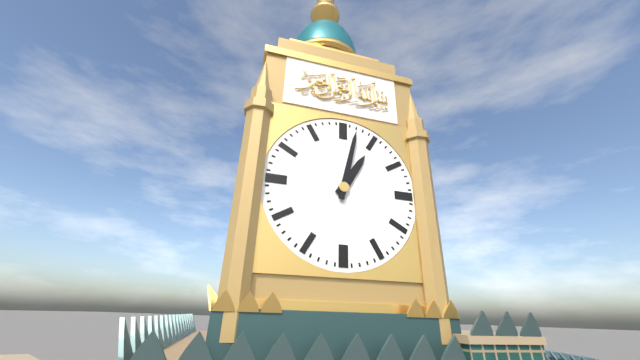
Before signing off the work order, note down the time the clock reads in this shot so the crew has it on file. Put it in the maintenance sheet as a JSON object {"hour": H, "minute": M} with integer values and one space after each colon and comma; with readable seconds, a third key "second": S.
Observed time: {"hour": 1, "minute": 2}
